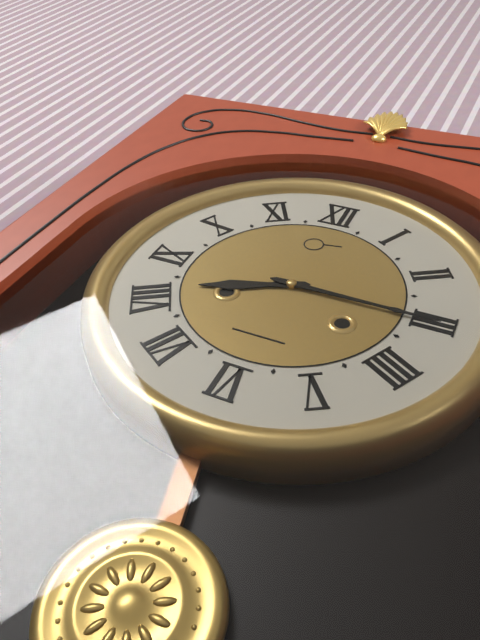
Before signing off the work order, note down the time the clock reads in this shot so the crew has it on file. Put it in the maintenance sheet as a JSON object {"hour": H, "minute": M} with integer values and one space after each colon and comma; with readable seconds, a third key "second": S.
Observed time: {"hour": 8, "minute": 15}
